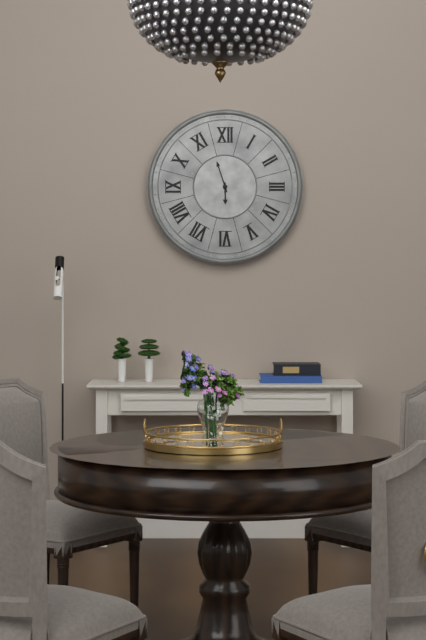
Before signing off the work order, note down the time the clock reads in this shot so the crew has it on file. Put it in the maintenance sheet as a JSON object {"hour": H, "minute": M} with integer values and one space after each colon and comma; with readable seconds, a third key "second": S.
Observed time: {"hour": 5, "minute": 57}
